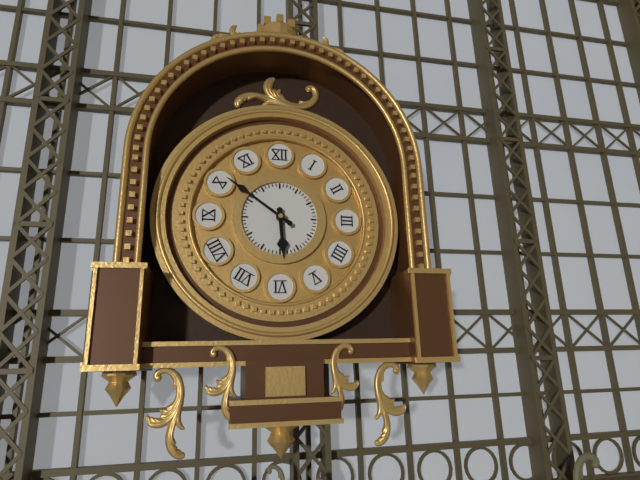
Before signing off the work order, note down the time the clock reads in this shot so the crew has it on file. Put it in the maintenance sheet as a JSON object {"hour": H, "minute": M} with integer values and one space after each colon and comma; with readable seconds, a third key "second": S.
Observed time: {"hour": 5, "minute": 51}
